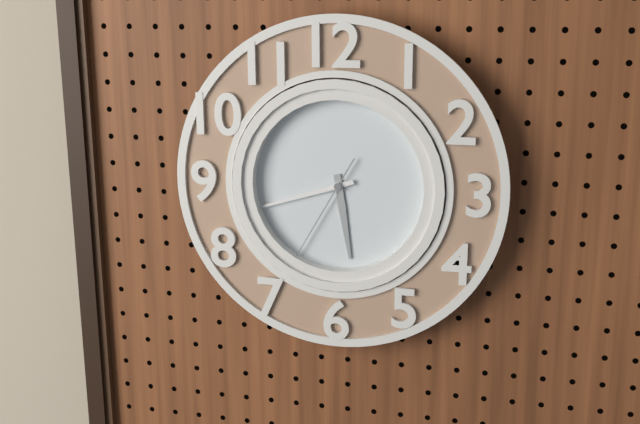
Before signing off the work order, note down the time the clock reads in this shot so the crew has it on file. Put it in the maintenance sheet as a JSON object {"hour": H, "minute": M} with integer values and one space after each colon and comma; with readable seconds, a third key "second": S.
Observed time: {"hour": 5, "minute": 42, "second": 35}
